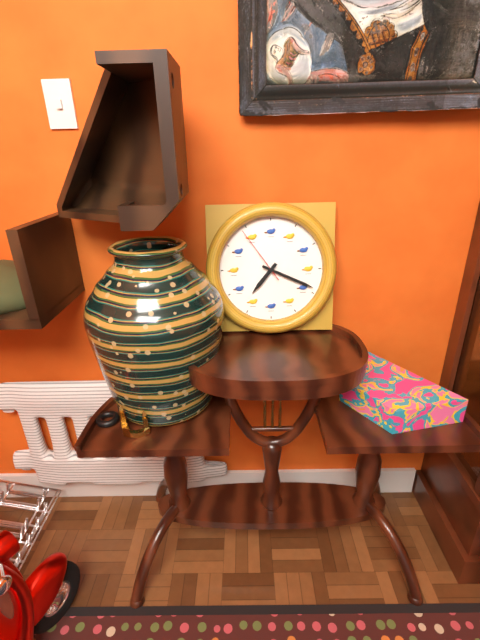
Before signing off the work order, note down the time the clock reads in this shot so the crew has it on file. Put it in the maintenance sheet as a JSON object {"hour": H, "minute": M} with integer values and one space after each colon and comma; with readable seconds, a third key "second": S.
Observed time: {"hour": 7, "minute": 19, "second": 54}
